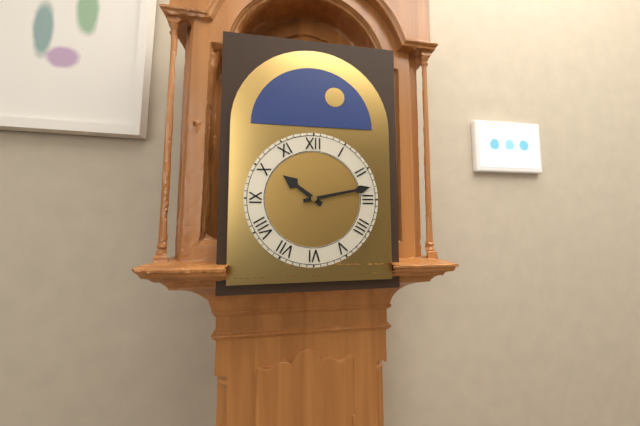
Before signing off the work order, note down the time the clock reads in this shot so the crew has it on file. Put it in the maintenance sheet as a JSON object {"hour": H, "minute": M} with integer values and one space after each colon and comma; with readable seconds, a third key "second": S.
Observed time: {"hour": 10, "minute": 13}
